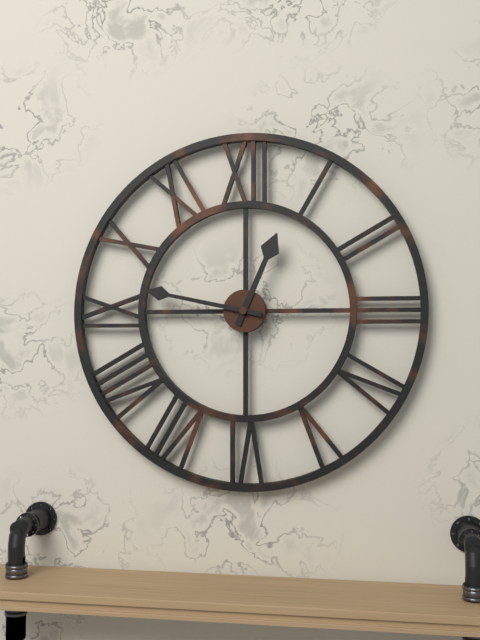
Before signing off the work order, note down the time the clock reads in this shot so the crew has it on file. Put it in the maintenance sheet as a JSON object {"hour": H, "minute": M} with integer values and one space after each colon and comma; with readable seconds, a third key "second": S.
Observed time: {"hour": 12, "minute": 47}
